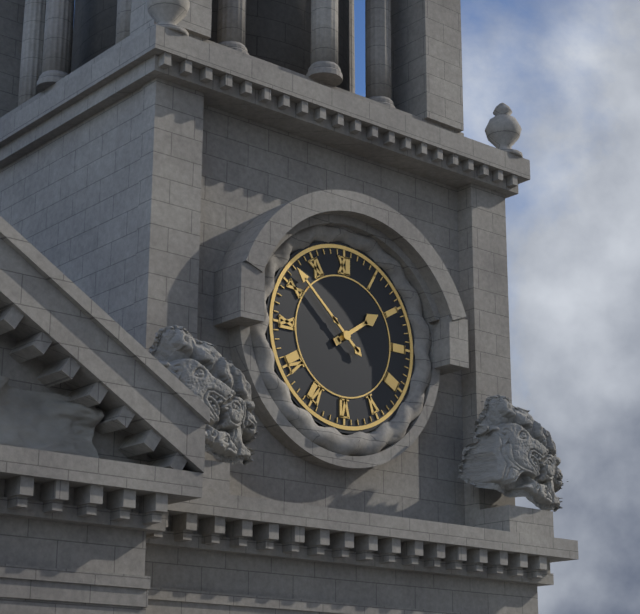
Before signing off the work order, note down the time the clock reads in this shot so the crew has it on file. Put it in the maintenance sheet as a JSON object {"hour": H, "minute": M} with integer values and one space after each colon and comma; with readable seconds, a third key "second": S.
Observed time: {"hour": 1, "minute": 52}
